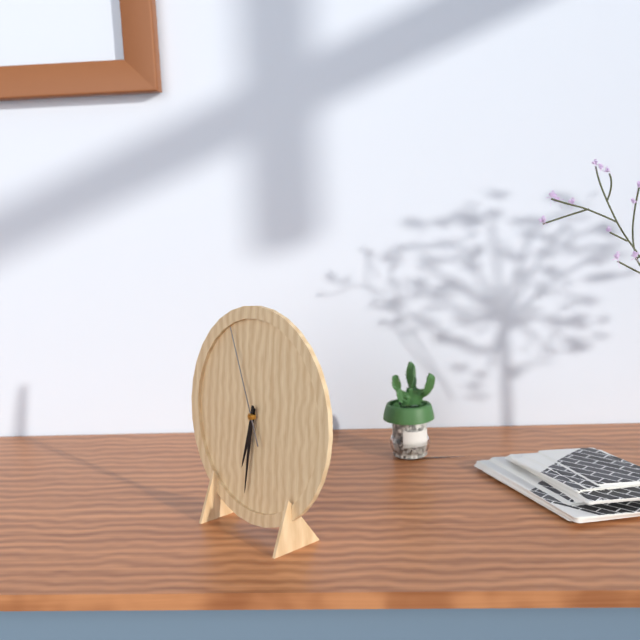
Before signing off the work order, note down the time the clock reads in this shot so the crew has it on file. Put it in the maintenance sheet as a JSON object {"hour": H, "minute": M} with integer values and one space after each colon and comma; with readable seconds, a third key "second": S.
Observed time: {"hour": 6, "minute": 31, "second": 56}
